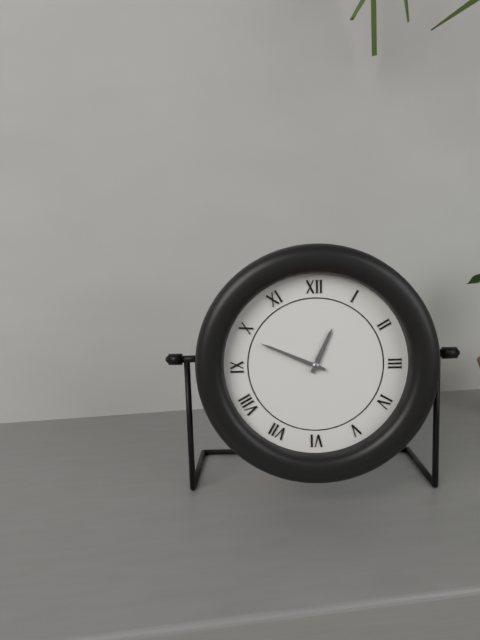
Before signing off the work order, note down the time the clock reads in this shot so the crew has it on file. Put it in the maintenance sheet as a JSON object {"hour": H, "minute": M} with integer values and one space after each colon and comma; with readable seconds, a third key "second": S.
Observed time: {"hour": 12, "minute": 49}
